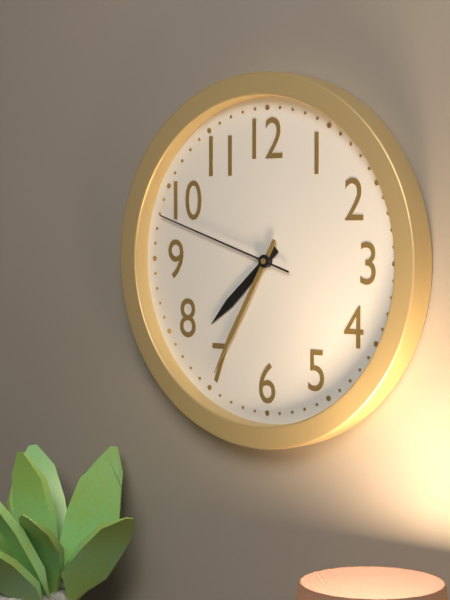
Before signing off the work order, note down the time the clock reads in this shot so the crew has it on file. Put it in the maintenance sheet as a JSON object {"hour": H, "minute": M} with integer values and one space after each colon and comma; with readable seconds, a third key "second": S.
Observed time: {"hour": 7, "minute": 35, "second": 48}
